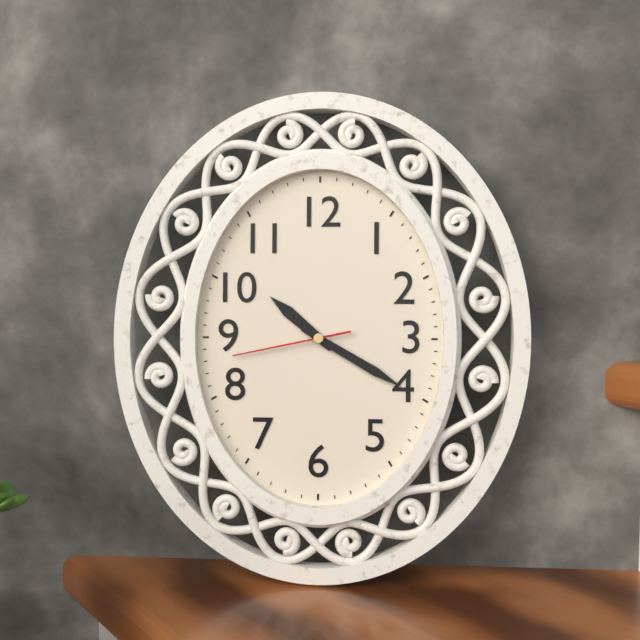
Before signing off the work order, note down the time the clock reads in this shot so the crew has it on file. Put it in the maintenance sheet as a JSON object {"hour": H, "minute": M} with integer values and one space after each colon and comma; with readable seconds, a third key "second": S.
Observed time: {"hour": 10, "minute": 20, "second": 43}
